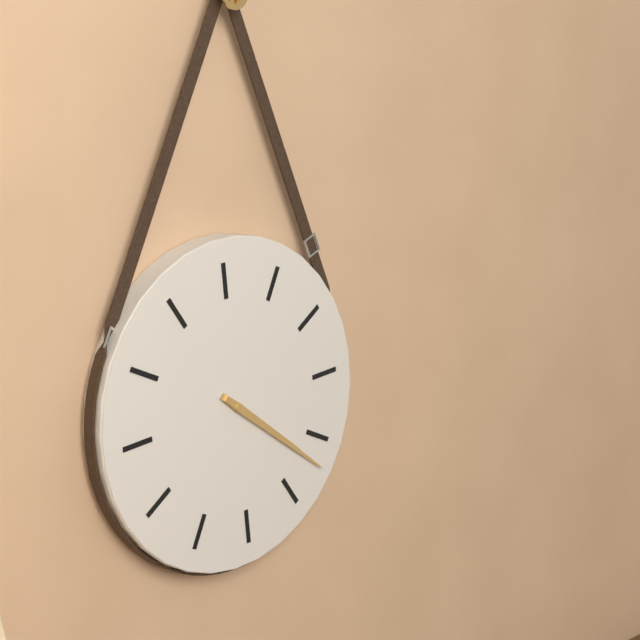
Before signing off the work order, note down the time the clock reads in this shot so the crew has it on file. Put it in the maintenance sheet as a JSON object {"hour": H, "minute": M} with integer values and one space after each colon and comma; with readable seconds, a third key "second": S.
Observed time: {"hour": 4, "minute": 22}
